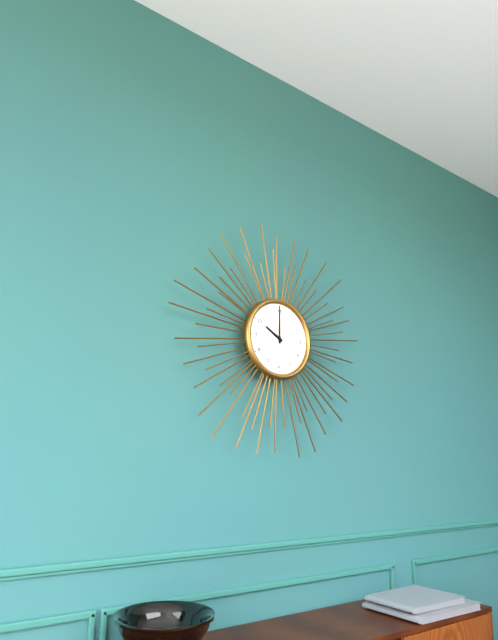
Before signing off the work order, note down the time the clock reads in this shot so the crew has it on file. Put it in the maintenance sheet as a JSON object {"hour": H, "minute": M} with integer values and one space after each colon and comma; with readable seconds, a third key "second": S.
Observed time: {"hour": 10, "minute": 0}
